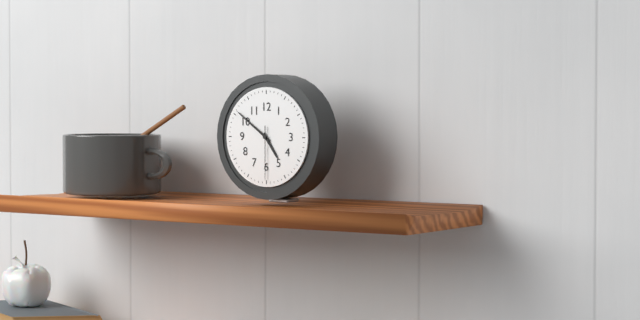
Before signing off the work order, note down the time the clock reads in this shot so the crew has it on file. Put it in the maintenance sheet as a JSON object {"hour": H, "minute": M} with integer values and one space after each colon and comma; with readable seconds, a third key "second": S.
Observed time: {"hour": 4, "minute": 51, "second": 30}
